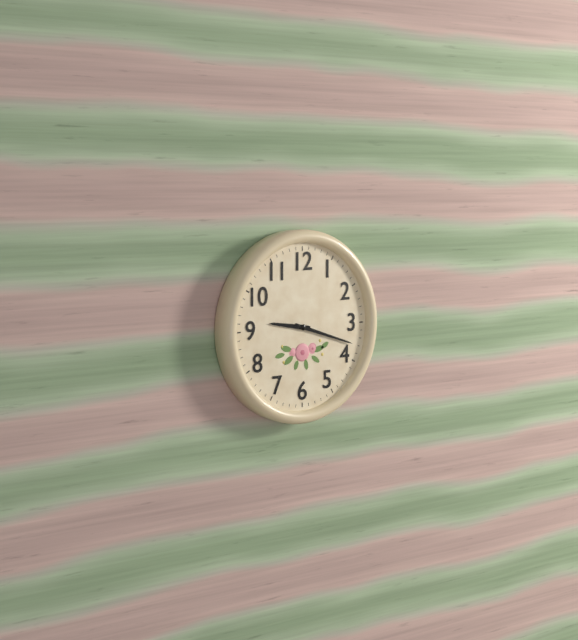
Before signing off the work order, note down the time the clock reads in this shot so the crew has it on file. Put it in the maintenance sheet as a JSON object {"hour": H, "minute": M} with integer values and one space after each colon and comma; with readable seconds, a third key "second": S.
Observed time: {"hour": 9, "minute": 18}
